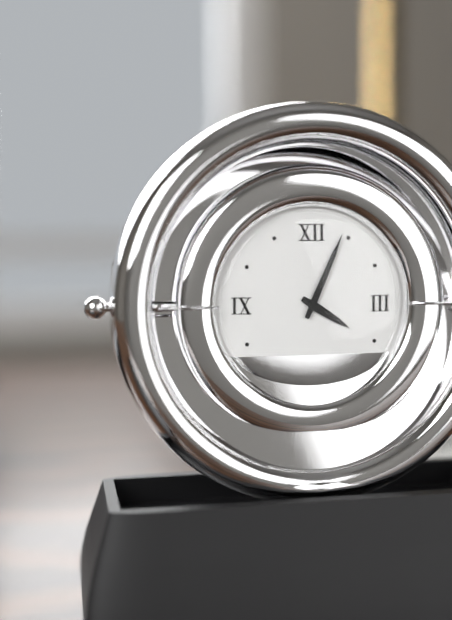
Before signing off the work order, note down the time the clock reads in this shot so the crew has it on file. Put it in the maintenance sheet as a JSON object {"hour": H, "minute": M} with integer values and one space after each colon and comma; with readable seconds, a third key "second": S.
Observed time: {"hour": 4, "minute": 4}
